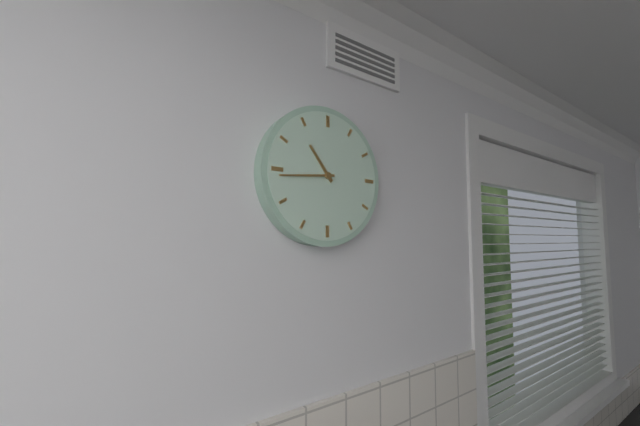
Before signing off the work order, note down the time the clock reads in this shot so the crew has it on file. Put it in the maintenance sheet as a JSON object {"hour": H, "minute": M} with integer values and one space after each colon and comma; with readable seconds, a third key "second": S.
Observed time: {"hour": 10, "minute": 44}
